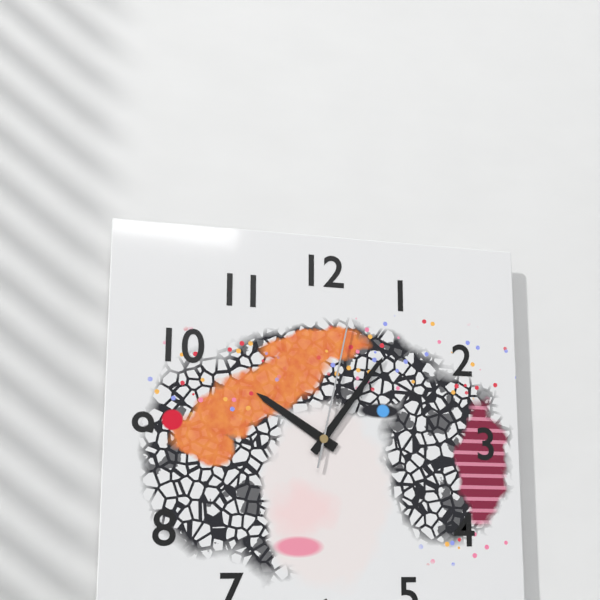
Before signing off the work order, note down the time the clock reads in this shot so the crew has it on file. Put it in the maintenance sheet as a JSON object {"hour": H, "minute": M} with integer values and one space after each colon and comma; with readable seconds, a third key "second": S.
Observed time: {"hour": 10, "minute": 6, "second": 2}
